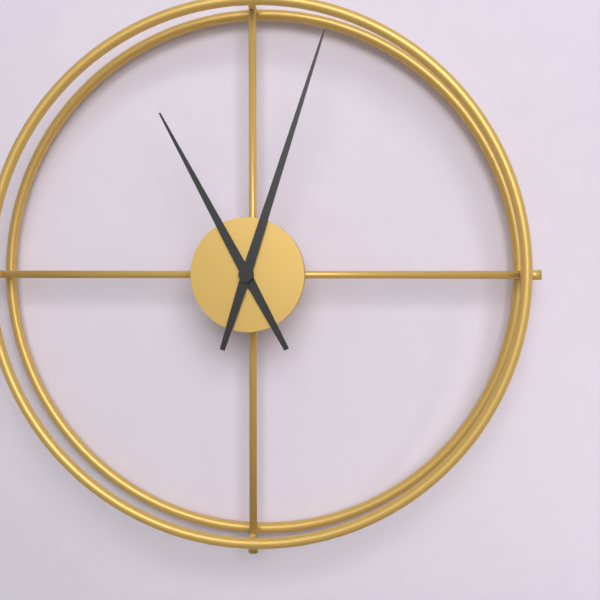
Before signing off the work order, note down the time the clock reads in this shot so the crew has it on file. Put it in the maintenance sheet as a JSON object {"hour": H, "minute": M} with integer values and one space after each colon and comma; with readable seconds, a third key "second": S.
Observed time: {"hour": 11, "minute": 3}
